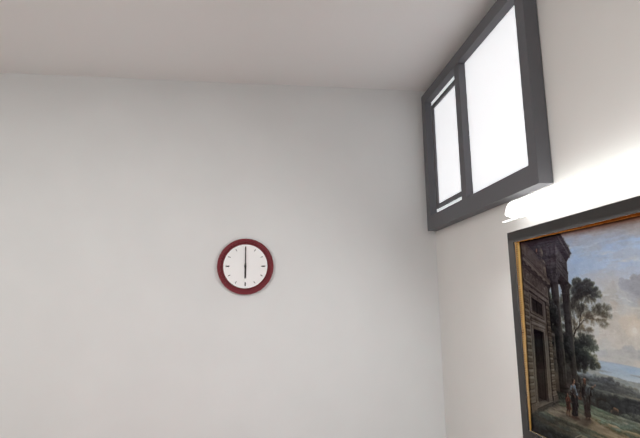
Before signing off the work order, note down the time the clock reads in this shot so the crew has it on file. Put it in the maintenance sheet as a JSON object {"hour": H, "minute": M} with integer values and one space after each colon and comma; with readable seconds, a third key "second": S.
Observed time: {"hour": 6, "minute": 0}
